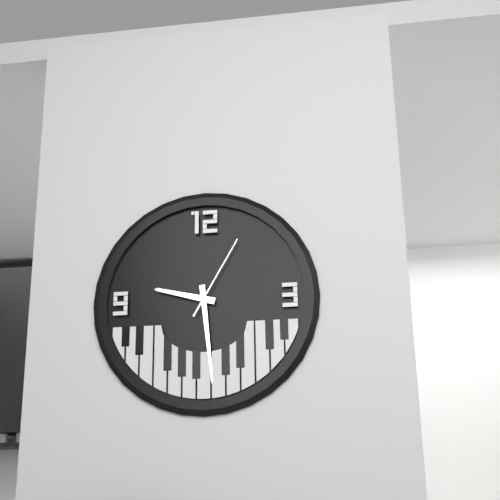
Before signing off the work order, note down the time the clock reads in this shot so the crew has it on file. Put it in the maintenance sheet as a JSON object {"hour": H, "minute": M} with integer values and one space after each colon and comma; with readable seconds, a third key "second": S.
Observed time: {"hour": 9, "minute": 29, "second": 5}
